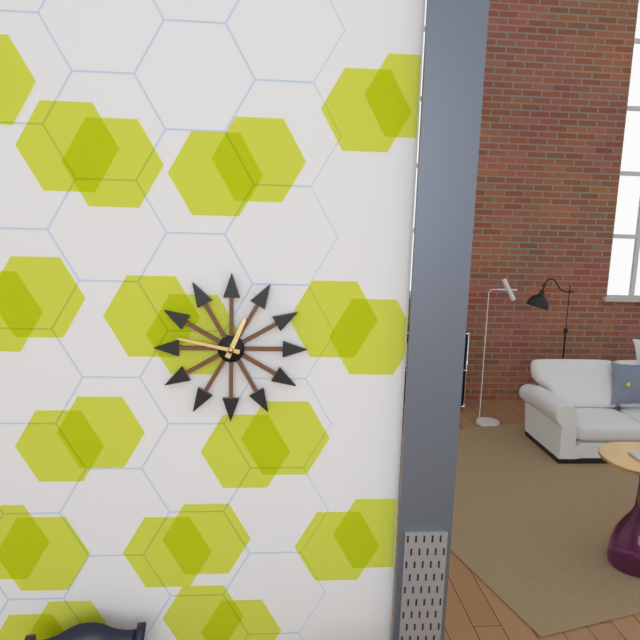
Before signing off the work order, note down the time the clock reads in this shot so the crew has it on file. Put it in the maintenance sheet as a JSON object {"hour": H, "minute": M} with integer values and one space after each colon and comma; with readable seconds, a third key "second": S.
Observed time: {"hour": 12, "minute": 47}
